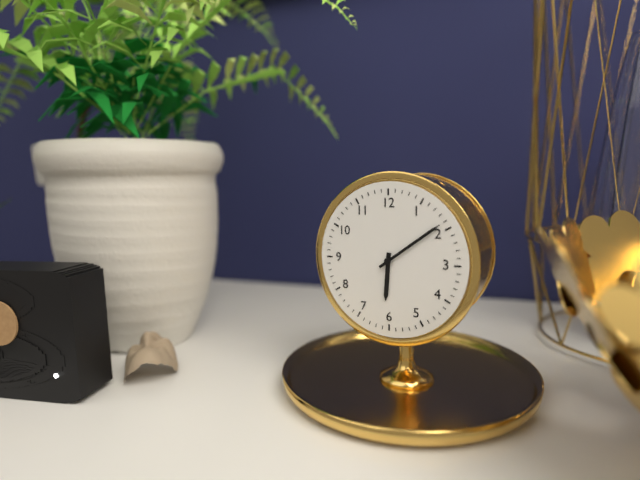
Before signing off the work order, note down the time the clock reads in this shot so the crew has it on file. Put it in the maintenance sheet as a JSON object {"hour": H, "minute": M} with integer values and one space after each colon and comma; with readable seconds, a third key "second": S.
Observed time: {"hour": 6, "minute": 9}
